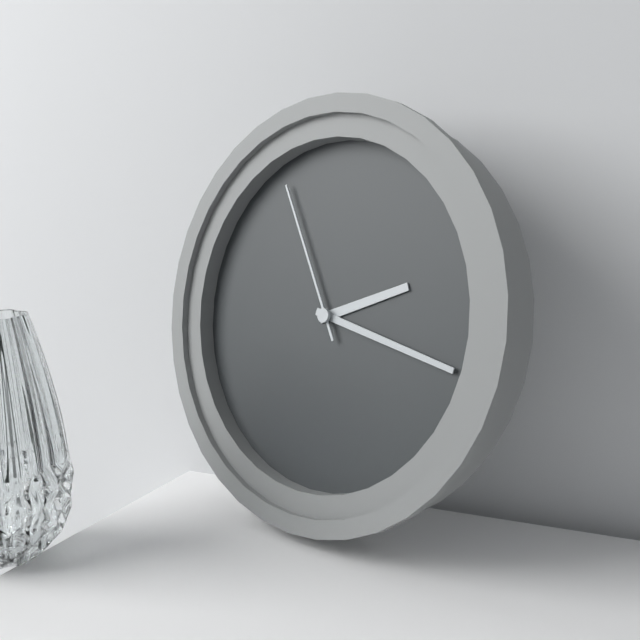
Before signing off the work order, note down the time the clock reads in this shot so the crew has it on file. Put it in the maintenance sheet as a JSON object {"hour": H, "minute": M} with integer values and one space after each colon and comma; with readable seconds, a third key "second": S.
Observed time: {"hour": 2, "minute": 17, "second": 55}
